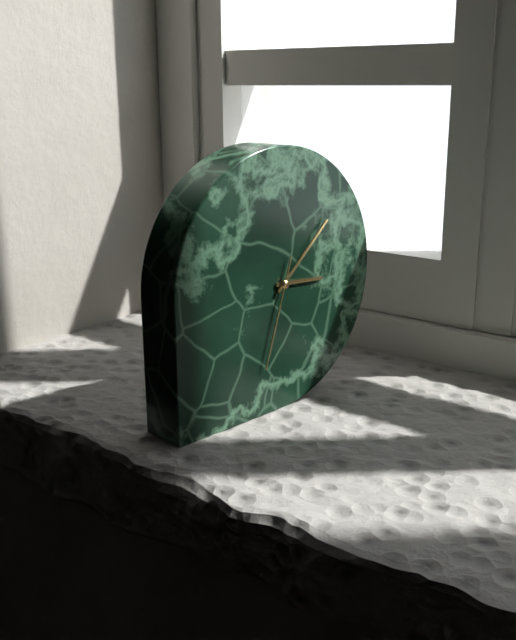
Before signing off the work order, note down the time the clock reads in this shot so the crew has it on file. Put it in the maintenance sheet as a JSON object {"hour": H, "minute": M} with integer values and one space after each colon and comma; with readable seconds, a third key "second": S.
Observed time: {"hour": 3, "minute": 8, "second": 33}
